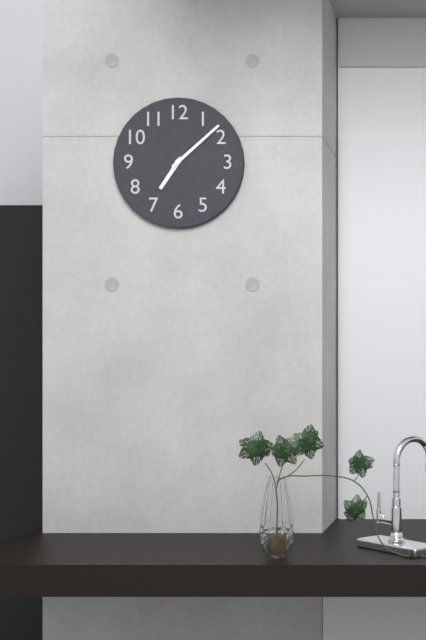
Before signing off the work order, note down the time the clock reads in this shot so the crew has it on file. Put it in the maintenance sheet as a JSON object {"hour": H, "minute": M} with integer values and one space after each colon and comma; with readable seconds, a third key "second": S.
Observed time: {"hour": 7, "minute": 8}
